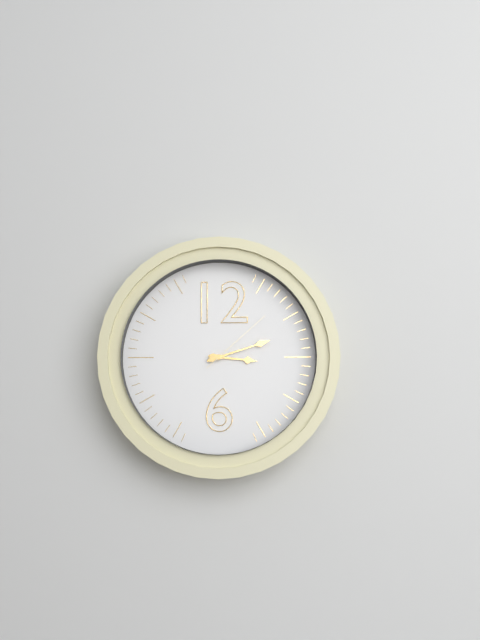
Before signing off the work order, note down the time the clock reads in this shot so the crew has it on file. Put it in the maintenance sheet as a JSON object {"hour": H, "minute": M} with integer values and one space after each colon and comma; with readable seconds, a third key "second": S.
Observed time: {"hour": 3, "minute": 12, "second": 8}
